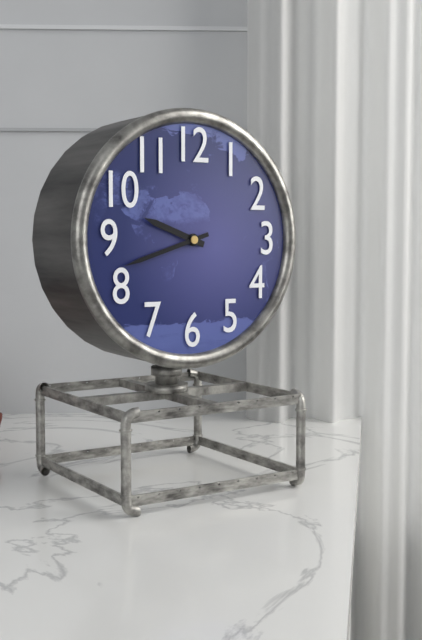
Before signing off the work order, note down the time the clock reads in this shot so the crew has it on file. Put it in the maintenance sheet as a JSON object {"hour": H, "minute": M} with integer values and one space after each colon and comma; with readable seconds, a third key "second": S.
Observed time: {"hour": 9, "minute": 42}
